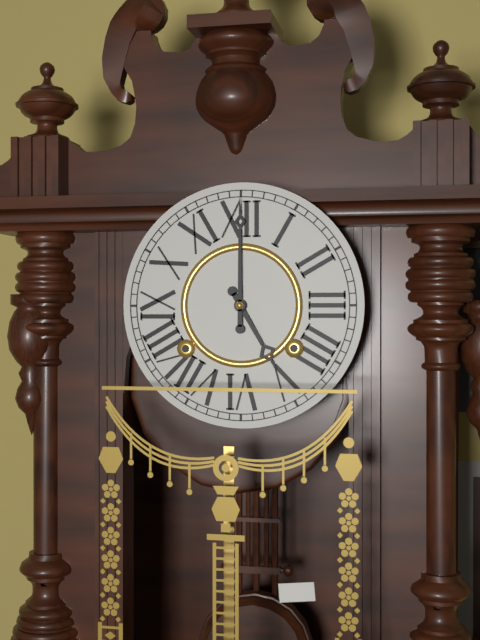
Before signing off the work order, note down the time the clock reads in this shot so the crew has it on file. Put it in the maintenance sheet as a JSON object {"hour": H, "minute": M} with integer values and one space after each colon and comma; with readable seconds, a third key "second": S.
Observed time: {"hour": 5, "minute": 0}
